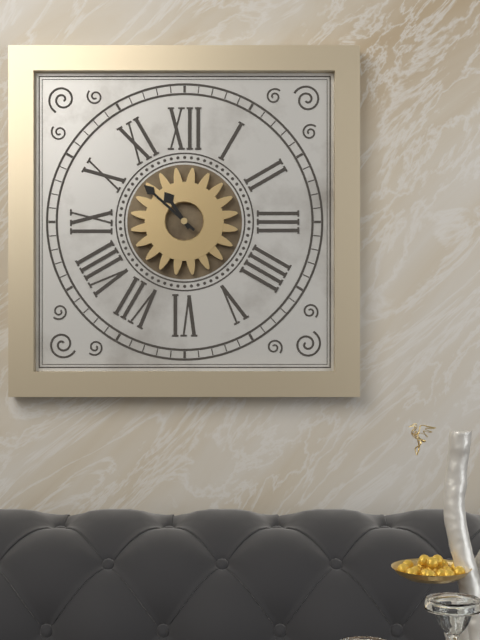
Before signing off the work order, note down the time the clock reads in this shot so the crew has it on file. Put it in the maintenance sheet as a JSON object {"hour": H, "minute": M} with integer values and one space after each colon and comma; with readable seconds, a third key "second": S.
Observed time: {"hour": 10, "minute": 52}
